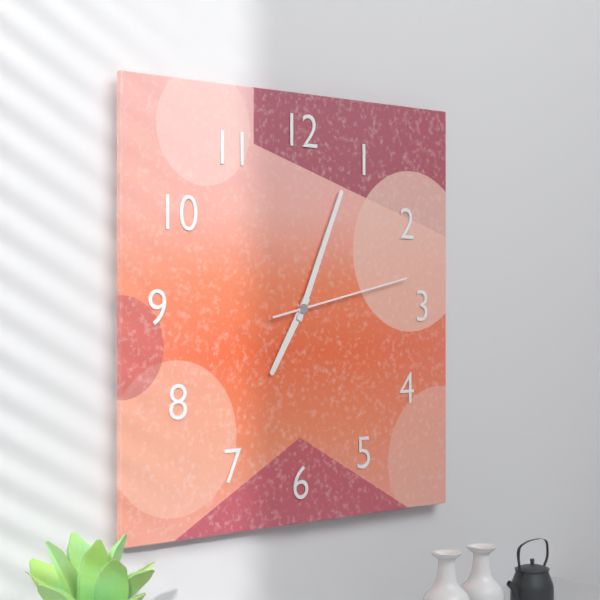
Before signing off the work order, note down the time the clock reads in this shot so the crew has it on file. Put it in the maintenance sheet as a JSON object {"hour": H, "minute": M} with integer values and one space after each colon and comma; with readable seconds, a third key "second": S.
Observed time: {"hour": 7, "minute": 4, "second": 13}
